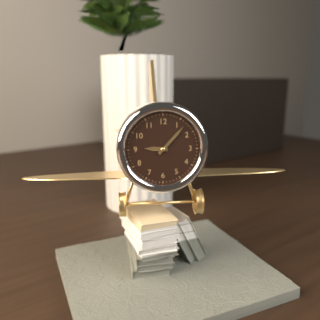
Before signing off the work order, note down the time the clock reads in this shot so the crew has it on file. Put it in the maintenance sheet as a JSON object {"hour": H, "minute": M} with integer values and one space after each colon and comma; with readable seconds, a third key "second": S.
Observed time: {"hour": 9, "minute": 7}
